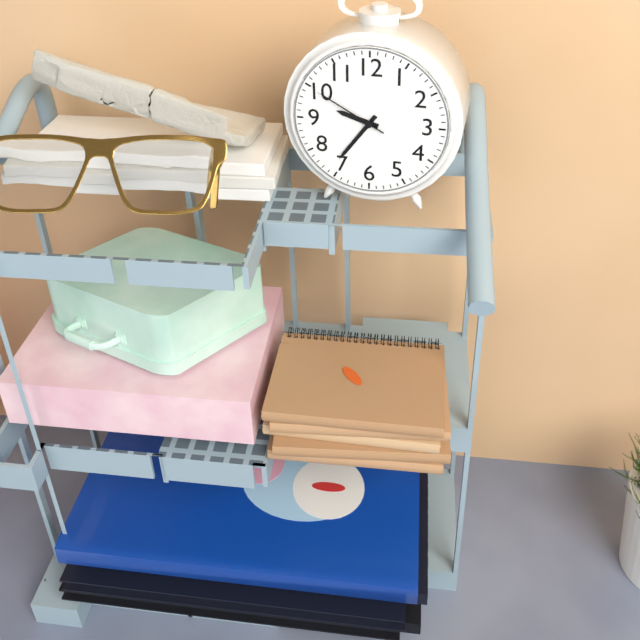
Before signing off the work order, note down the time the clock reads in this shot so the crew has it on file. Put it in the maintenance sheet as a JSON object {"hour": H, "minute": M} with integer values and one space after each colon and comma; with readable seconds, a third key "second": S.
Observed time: {"hour": 9, "minute": 36, "second": 50}
